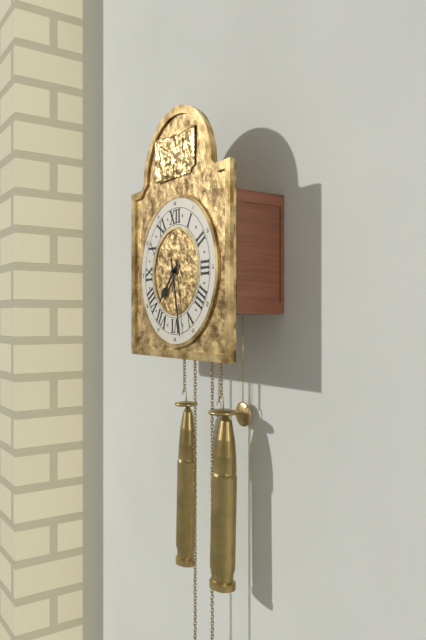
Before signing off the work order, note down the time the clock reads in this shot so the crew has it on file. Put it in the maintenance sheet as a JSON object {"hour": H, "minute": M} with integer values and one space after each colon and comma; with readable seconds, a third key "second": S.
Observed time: {"hour": 7, "minute": 28}
